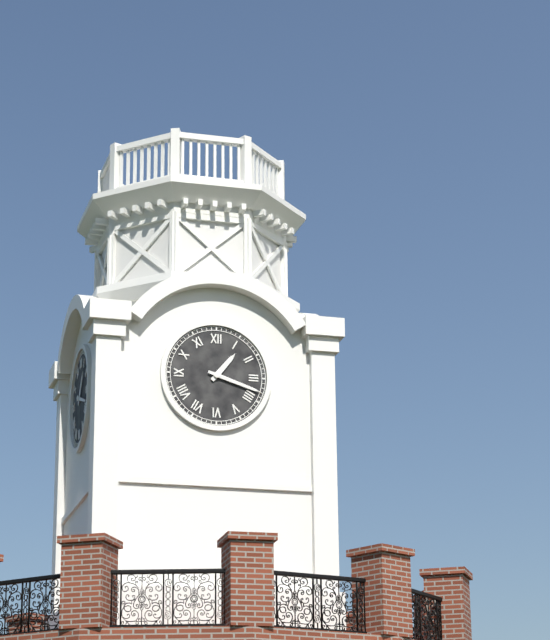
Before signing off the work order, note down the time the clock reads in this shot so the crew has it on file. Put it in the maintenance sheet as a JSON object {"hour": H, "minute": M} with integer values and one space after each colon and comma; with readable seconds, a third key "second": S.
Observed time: {"hour": 1, "minute": 18}
